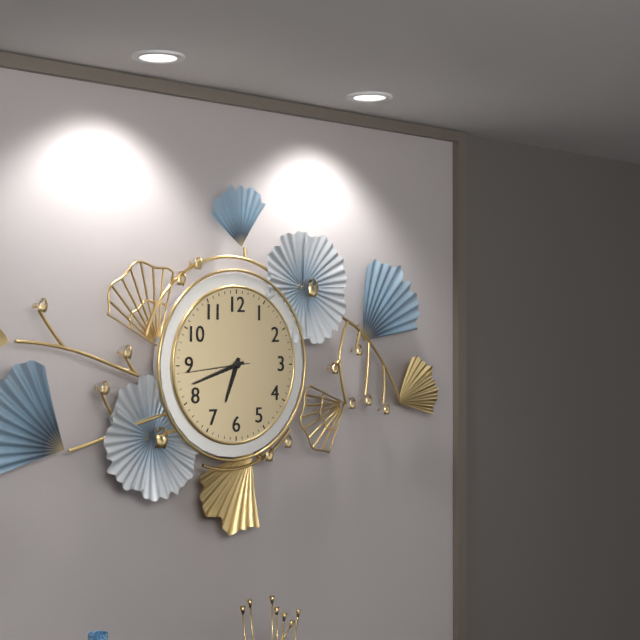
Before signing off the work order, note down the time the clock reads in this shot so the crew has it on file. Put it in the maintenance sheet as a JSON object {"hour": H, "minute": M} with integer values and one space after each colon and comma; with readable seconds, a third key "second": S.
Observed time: {"hour": 6, "minute": 42, "second": 44}
